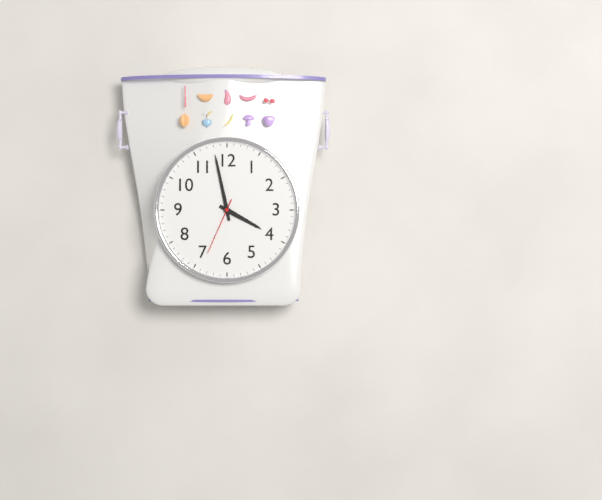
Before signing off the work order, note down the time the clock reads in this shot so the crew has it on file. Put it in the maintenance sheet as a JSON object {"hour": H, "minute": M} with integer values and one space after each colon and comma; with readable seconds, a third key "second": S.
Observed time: {"hour": 3, "minute": 58, "second": 34}
